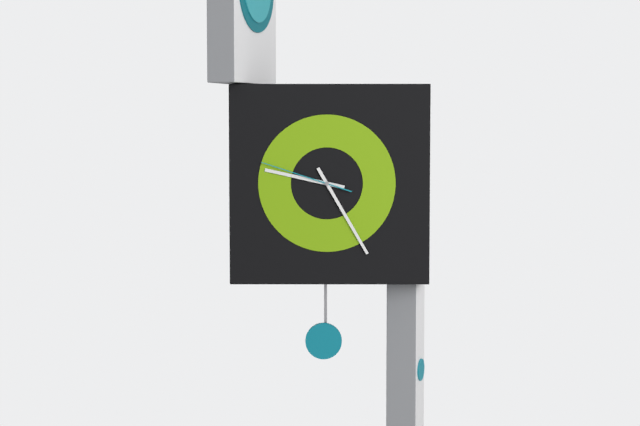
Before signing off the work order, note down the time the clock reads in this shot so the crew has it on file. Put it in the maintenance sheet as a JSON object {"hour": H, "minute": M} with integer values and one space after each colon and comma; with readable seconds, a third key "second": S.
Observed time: {"hour": 9, "minute": 25, "second": 48}
